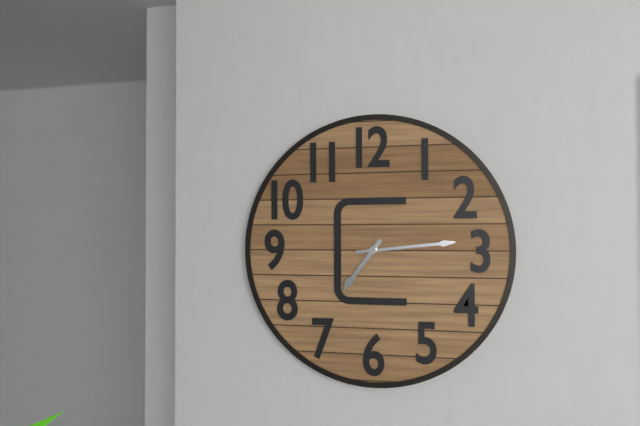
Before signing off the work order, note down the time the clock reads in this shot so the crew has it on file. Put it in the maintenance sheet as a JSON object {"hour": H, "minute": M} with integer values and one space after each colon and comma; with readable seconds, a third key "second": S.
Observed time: {"hour": 7, "minute": 14}
